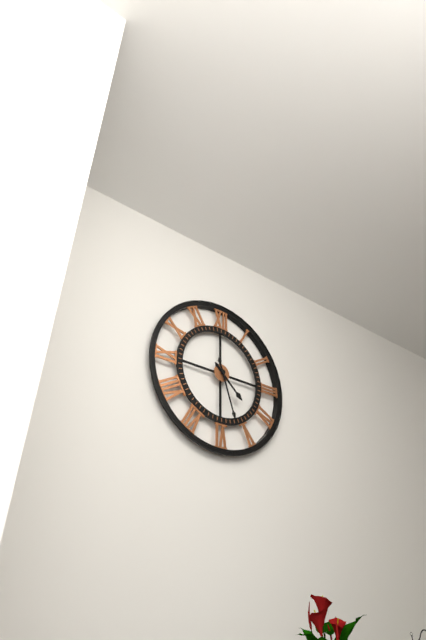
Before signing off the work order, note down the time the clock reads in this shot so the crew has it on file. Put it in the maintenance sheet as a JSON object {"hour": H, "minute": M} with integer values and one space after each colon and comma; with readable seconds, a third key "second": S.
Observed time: {"hour": 4, "minute": 27}
